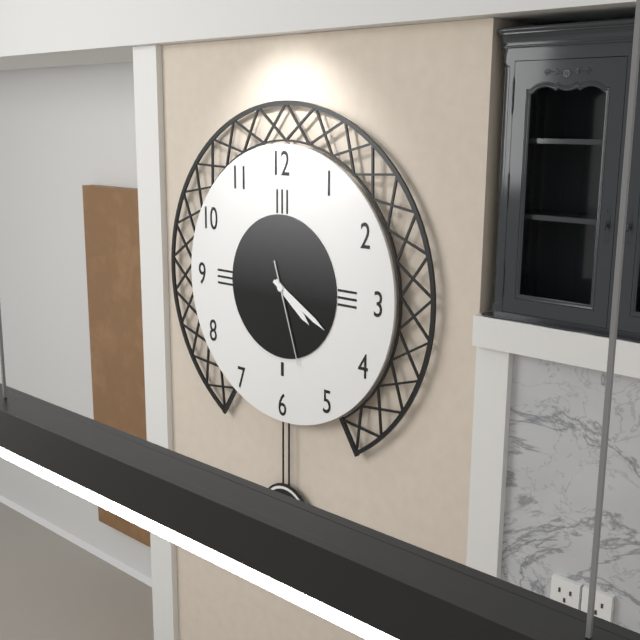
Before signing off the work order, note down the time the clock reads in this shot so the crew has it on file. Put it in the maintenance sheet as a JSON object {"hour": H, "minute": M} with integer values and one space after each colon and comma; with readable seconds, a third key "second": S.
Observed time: {"hour": 4, "minute": 20, "second": 27}
